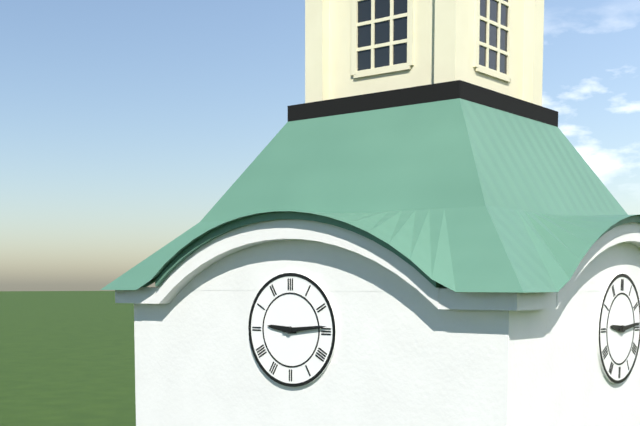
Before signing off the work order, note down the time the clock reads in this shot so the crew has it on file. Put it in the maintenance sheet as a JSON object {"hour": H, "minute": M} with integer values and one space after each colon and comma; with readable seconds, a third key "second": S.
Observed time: {"hour": 9, "minute": 14}
